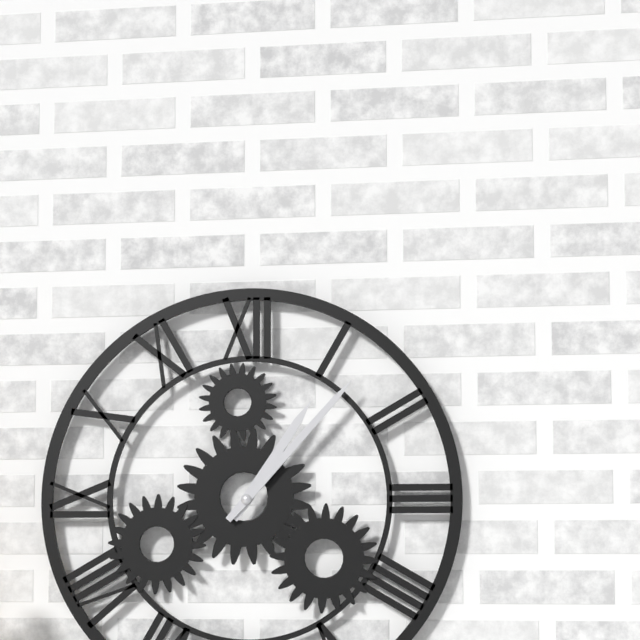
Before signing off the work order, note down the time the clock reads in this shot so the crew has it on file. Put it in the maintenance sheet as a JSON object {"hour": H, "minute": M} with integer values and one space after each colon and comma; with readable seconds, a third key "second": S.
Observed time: {"hour": 1, "minute": 7}
